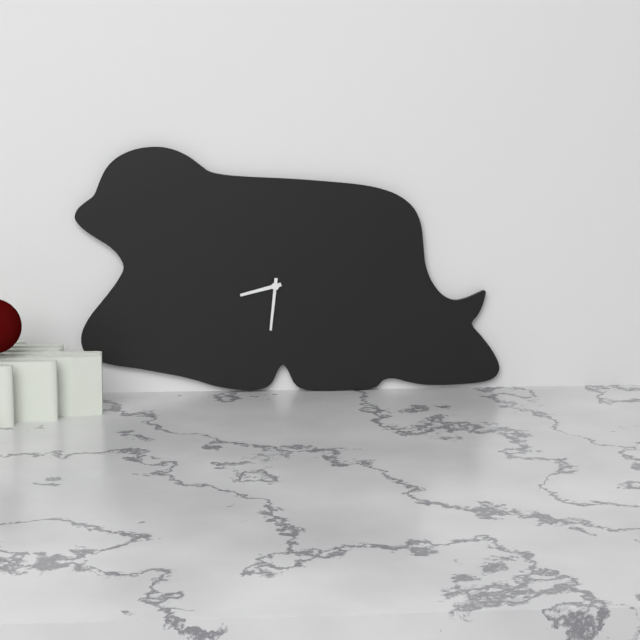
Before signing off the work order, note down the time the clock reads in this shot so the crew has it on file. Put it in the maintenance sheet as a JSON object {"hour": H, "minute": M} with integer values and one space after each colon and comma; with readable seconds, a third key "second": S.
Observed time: {"hour": 8, "minute": 31}
